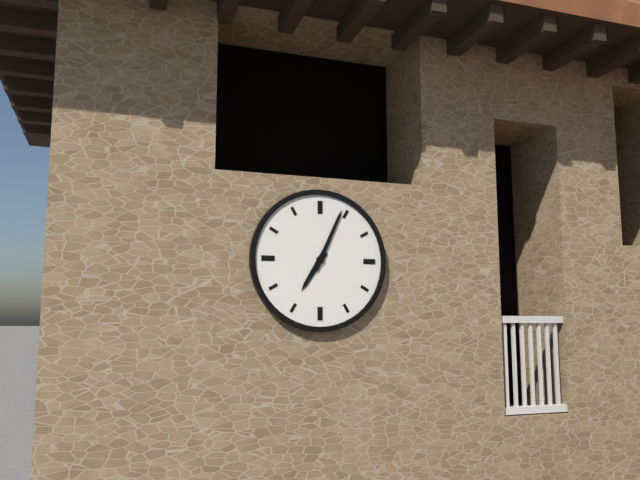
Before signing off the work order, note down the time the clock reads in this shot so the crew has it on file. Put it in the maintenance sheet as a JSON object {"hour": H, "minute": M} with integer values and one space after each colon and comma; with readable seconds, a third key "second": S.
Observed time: {"hour": 7, "minute": 4}
